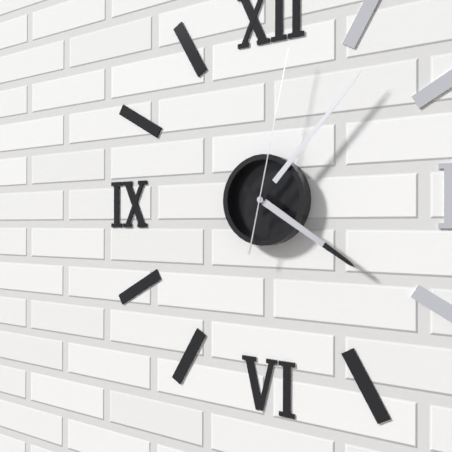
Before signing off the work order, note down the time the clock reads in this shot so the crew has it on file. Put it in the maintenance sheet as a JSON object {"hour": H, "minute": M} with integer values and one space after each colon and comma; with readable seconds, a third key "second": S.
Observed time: {"hour": 4, "minute": 7, "second": 2}
